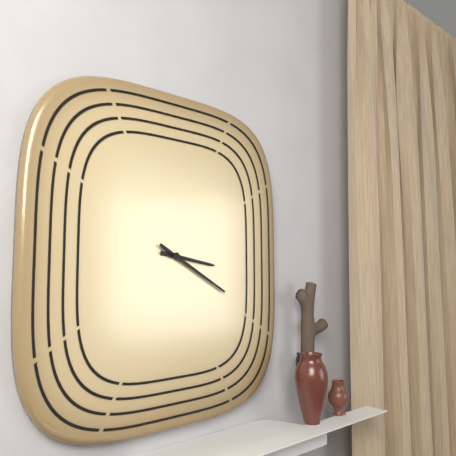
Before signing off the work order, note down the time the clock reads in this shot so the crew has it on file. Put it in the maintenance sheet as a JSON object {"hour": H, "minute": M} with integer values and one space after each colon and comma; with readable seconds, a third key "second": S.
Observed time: {"hour": 3, "minute": 20}
